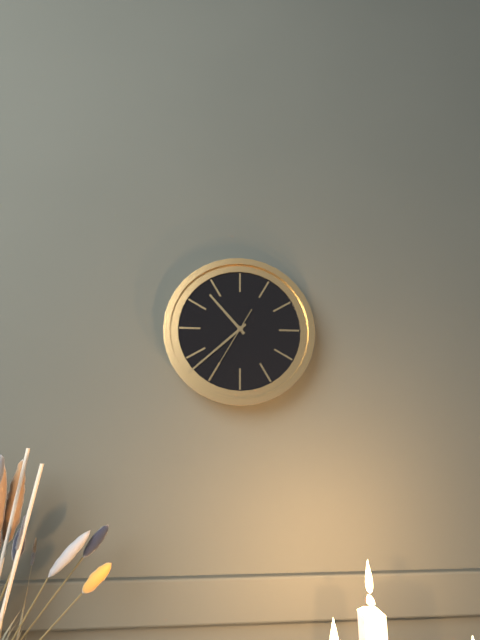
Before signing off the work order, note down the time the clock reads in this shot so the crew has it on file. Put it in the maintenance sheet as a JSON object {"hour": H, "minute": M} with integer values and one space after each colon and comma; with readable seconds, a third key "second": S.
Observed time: {"hour": 10, "minute": 38, "second": 35}
